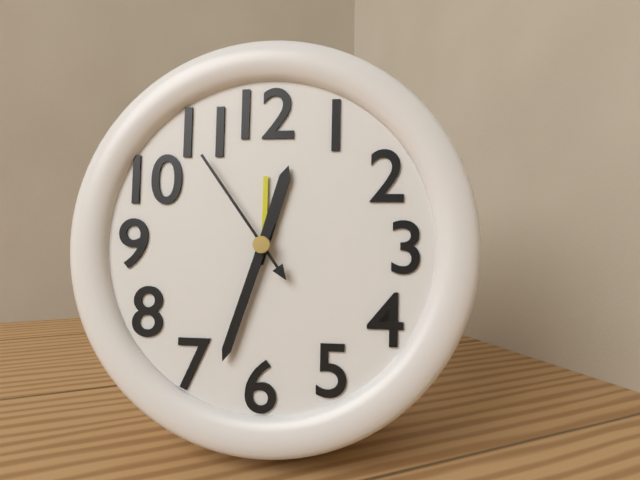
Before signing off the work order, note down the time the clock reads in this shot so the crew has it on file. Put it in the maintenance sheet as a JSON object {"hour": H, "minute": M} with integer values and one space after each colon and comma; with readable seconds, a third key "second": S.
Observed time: {"hour": 12, "minute": 33, "second": 54}
